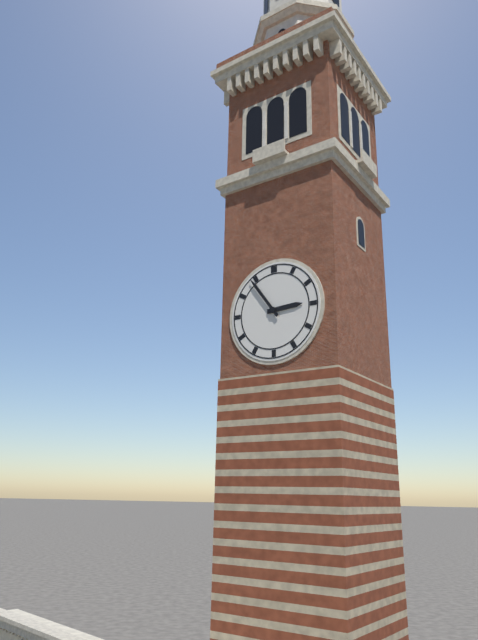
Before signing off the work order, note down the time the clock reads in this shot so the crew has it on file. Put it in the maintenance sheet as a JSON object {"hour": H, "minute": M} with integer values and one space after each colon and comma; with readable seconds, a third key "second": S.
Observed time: {"hour": 2, "minute": 54}
